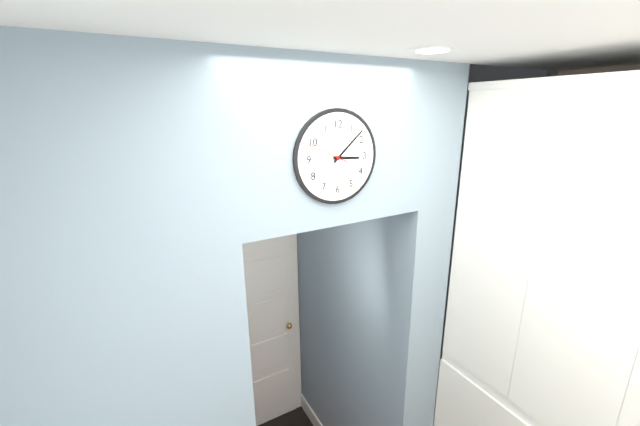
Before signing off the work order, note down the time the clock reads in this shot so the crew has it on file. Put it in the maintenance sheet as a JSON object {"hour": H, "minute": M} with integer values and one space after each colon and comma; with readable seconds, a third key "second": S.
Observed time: {"hour": 3, "minute": 8}
